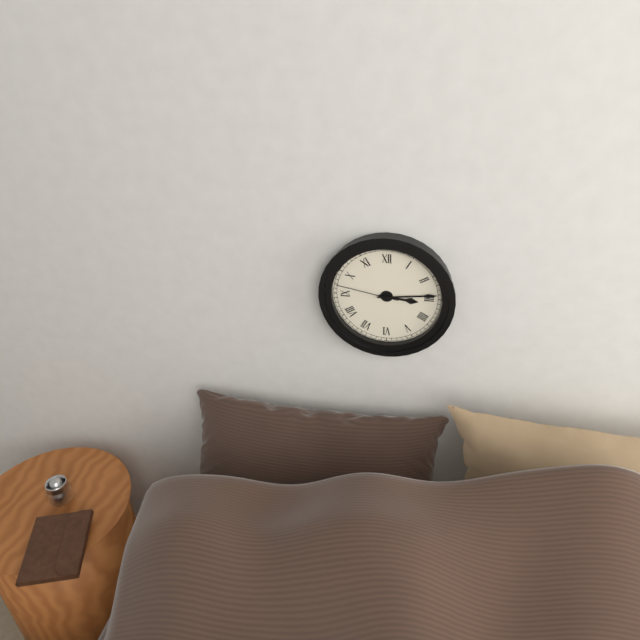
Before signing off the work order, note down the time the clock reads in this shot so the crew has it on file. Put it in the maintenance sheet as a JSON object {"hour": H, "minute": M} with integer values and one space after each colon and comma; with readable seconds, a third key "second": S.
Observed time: {"hour": 3, "minute": 14, "second": 47}
